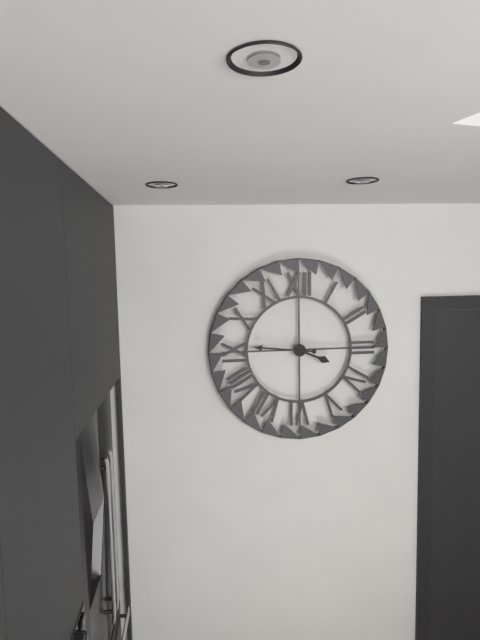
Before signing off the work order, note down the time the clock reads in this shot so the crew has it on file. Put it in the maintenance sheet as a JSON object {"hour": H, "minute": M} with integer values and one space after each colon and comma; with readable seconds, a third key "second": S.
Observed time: {"hour": 3, "minute": 46}
